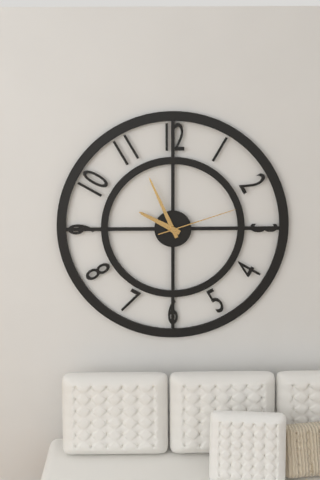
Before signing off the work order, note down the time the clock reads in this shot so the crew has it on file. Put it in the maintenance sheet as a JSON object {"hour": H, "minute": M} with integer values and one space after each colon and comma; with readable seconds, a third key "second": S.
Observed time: {"hour": 9, "minute": 56, "second": 12}
